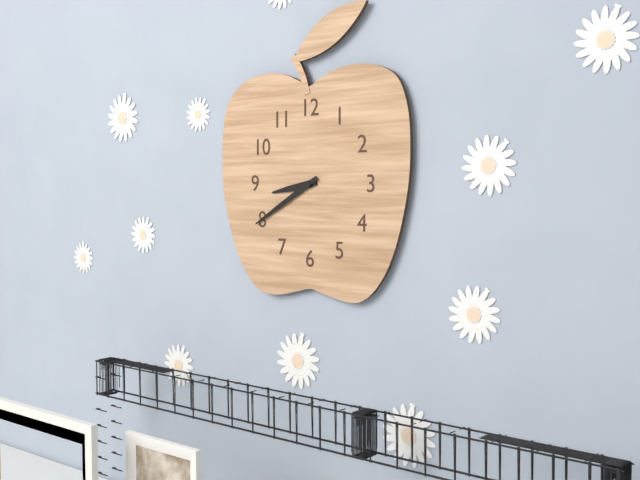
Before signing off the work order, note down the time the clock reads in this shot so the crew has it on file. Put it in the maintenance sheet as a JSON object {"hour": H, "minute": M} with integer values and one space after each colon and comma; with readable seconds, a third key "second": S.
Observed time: {"hour": 8, "minute": 40}
